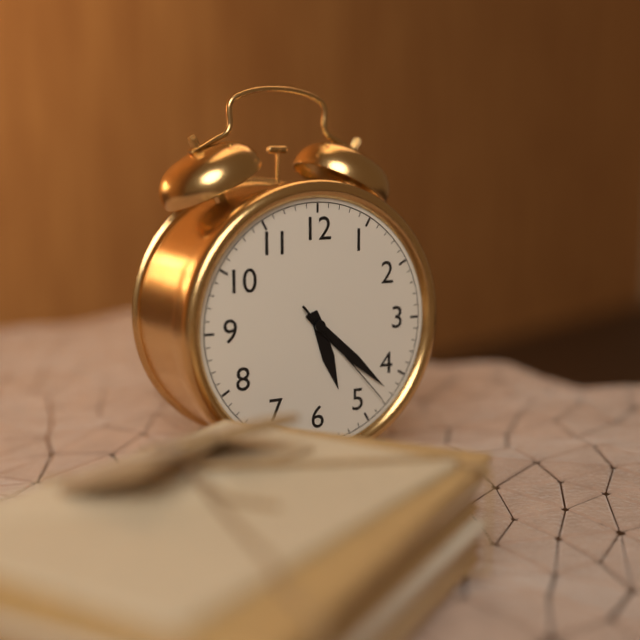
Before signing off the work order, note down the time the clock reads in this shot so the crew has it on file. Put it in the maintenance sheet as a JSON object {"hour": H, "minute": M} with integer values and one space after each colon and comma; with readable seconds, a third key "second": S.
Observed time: {"hour": 5, "minute": 22, "second": 23}
